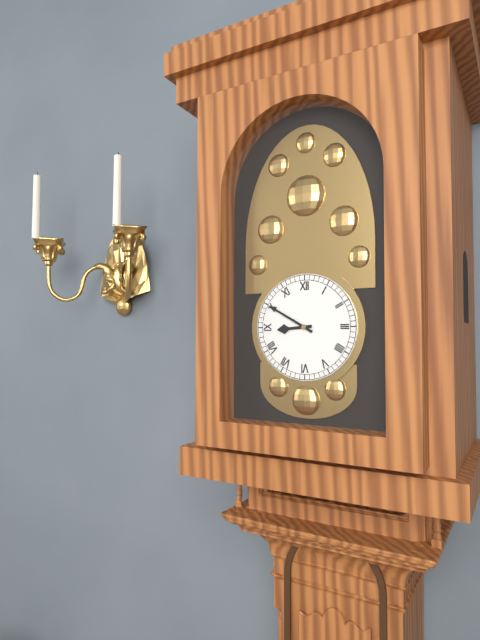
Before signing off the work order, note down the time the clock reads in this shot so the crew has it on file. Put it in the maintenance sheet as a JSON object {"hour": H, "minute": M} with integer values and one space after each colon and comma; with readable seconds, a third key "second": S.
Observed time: {"hour": 8, "minute": 50}
